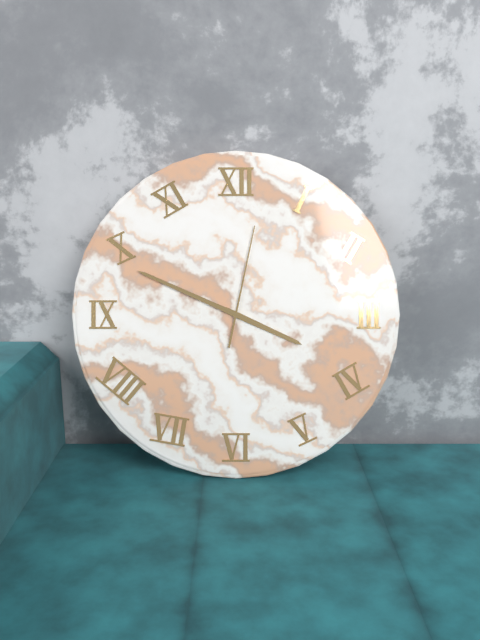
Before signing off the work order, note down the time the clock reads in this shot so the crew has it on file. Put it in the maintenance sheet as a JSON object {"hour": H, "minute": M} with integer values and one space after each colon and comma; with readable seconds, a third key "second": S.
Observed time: {"hour": 3, "minute": 49, "second": 2}
